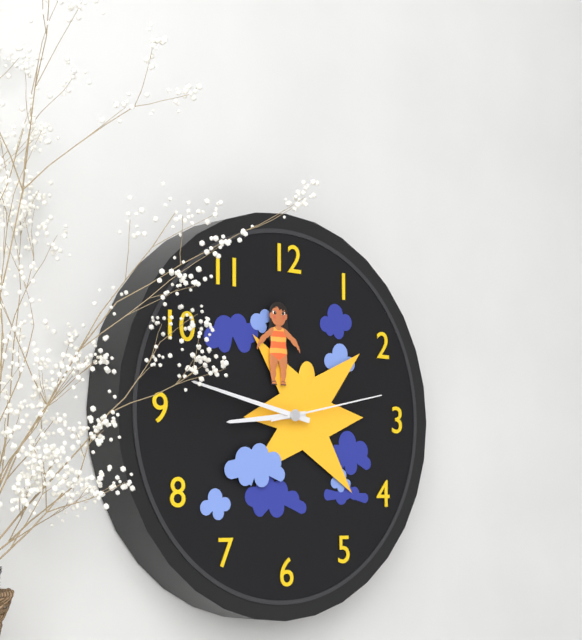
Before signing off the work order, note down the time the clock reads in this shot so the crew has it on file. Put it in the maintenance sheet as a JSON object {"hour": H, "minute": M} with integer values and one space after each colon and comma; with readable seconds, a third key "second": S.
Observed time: {"hour": 8, "minute": 47, "second": 13}
